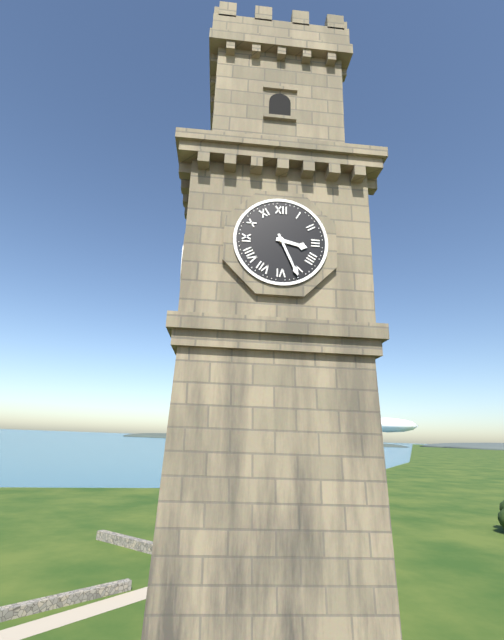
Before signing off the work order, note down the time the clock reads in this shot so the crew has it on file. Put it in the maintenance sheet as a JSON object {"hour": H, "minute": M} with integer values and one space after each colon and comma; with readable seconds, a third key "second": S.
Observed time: {"hour": 3, "minute": 26}
